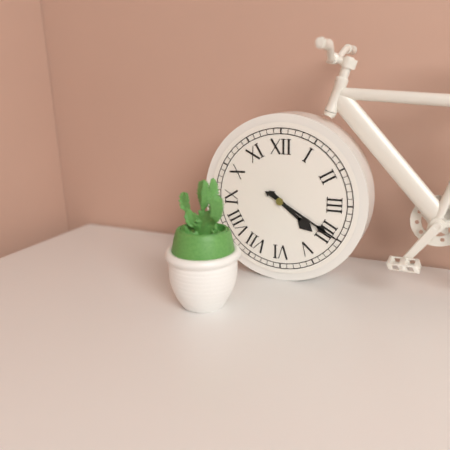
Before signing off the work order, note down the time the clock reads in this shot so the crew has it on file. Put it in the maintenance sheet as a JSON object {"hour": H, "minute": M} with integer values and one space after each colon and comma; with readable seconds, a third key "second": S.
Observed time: {"hour": 4, "minute": 20}
